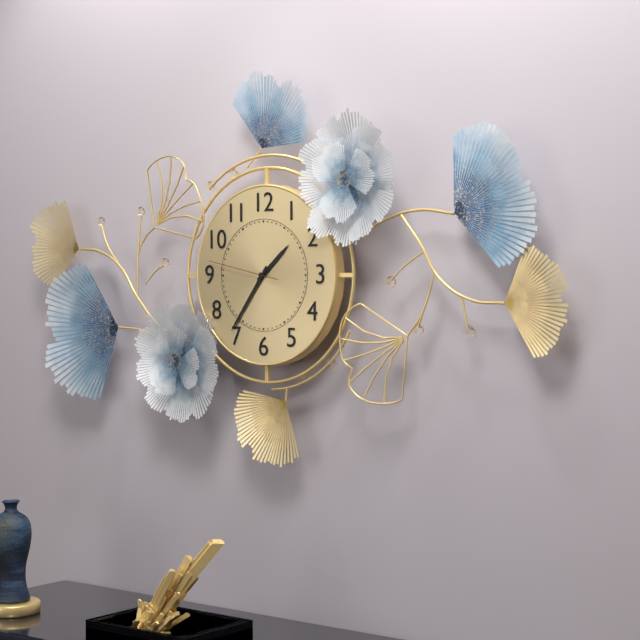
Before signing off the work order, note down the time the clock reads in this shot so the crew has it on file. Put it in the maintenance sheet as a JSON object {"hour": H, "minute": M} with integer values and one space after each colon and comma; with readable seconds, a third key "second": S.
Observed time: {"hour": 1, "minute": 36, "second": 47}
